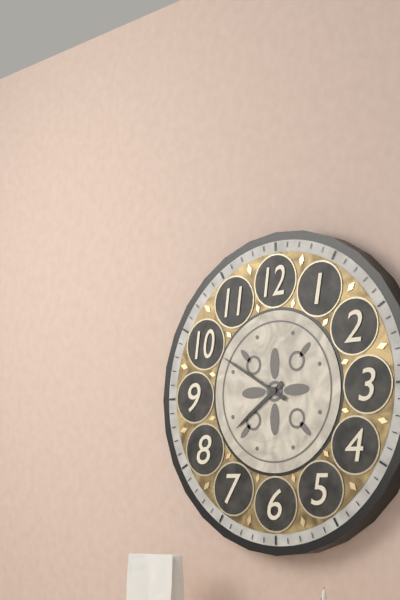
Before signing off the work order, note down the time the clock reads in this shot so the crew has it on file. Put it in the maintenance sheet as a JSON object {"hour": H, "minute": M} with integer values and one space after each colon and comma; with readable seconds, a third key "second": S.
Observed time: {"hour": 7, "minute": 50}
